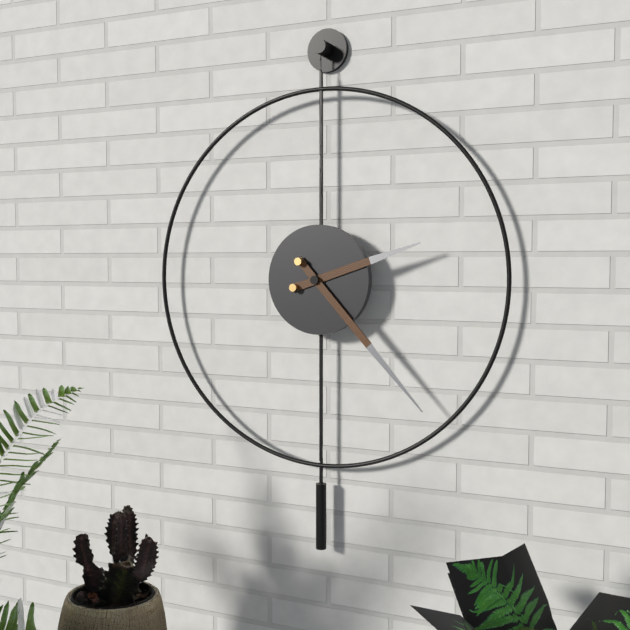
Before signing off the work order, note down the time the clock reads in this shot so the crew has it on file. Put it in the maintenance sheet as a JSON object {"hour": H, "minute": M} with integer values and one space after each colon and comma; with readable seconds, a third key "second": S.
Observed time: {"hour": 2, "minute": 23}
